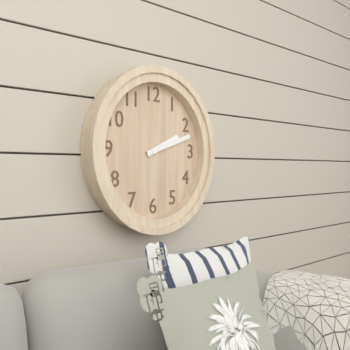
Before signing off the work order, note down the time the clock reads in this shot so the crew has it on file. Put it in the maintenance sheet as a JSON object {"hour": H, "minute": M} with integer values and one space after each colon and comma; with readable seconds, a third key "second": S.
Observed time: {"hour": 2, "minute": 12}
